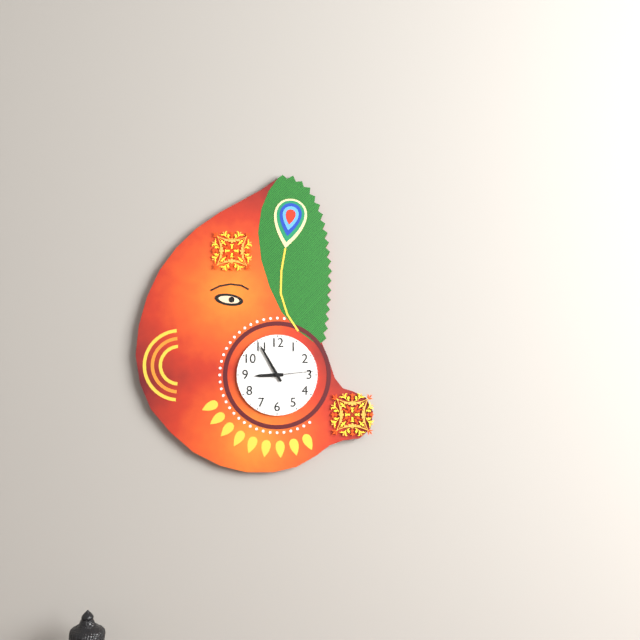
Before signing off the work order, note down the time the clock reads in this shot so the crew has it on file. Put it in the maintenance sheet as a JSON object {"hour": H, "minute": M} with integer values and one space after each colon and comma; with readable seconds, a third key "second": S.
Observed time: {"hour": 8, "minute": 55}
